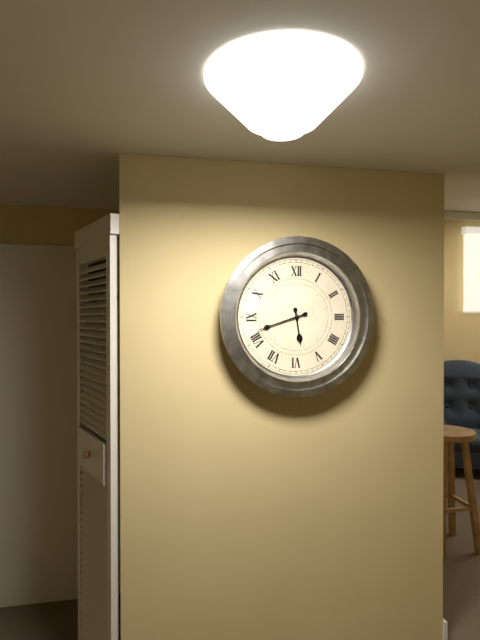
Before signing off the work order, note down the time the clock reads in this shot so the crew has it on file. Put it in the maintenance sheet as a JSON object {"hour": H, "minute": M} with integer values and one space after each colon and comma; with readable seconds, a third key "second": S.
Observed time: {"hour": 5, "minute": 42}
